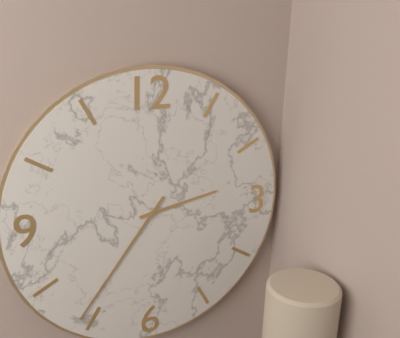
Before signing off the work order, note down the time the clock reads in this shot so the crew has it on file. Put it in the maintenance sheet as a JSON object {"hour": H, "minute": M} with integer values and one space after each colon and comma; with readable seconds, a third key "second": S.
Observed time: {"hour": 2, "minute": 36}
